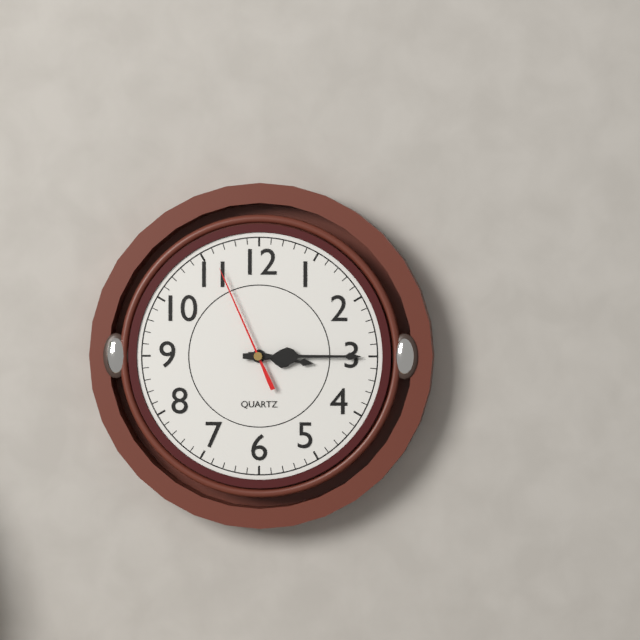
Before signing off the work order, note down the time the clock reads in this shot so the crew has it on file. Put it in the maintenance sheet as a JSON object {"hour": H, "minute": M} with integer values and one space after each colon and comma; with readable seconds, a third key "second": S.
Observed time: {"hour": 3, "minute": 15, "second": 56}
